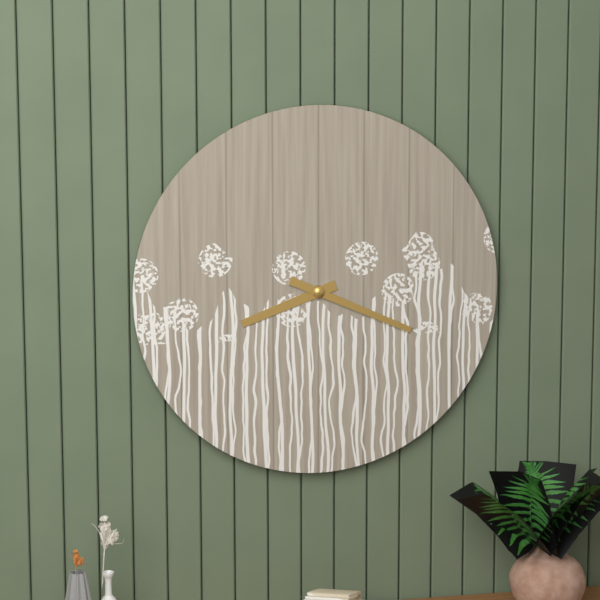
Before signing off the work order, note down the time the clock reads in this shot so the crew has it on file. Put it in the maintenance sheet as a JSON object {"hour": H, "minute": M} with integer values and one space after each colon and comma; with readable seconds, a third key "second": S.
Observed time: {"hour": 8, "minute": 19}
